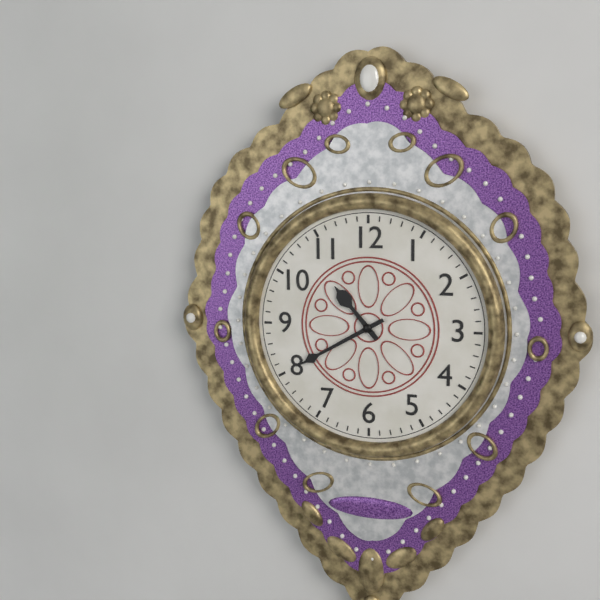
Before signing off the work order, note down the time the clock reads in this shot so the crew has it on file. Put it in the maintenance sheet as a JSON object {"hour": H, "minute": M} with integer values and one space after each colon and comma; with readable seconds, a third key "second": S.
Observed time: {"hour": 10, "minute": 40}
